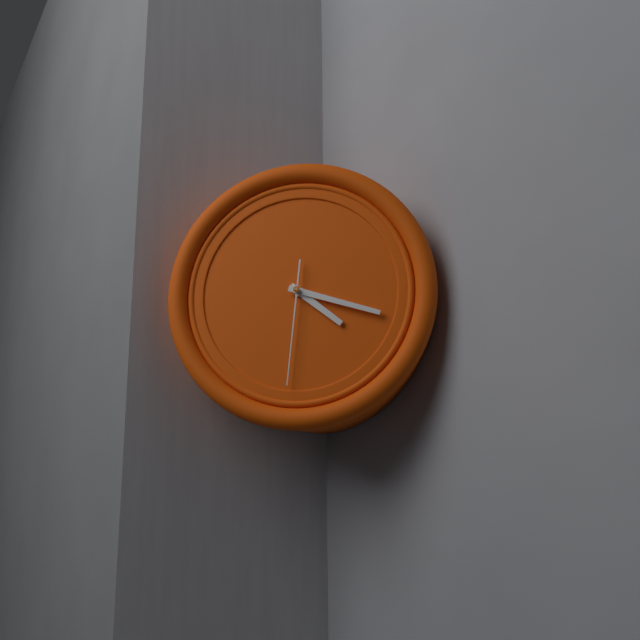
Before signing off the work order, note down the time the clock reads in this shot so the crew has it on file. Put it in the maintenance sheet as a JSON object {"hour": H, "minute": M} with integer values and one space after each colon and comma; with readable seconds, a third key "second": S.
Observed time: {"hour": 4, "minute": 18, "second": 31}
